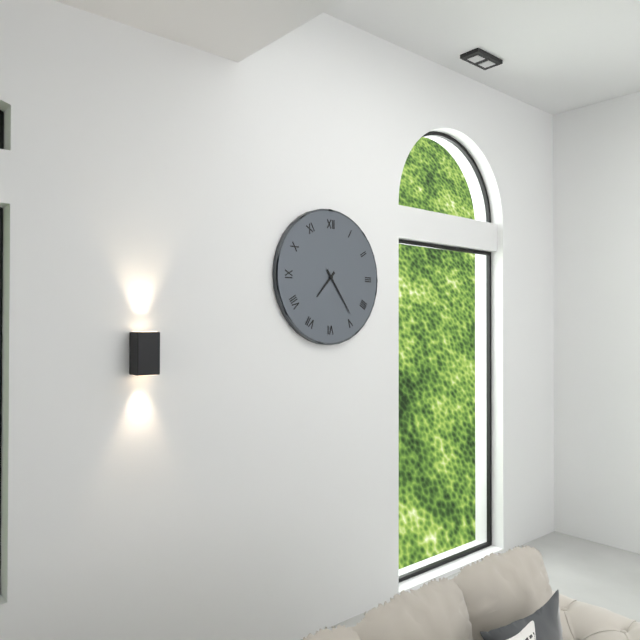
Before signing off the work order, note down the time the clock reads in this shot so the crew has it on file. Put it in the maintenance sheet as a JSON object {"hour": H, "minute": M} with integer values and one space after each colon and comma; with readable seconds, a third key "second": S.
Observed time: {"hour": 7, "minute": 24}
